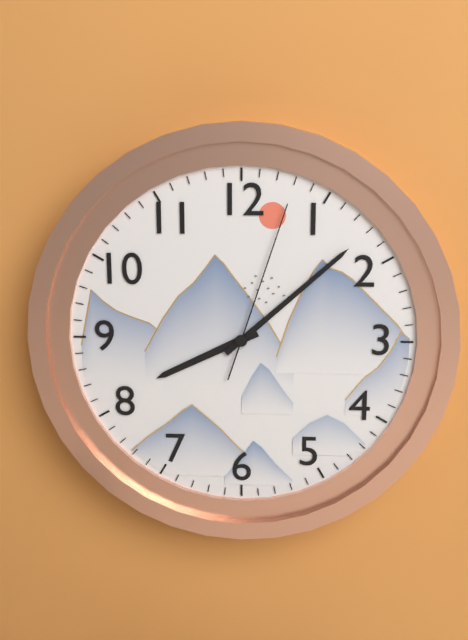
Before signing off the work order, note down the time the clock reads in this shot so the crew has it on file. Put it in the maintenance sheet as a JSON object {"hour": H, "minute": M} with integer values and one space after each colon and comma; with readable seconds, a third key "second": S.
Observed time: {"hour": 8, "minute": 8, "second": 3}
